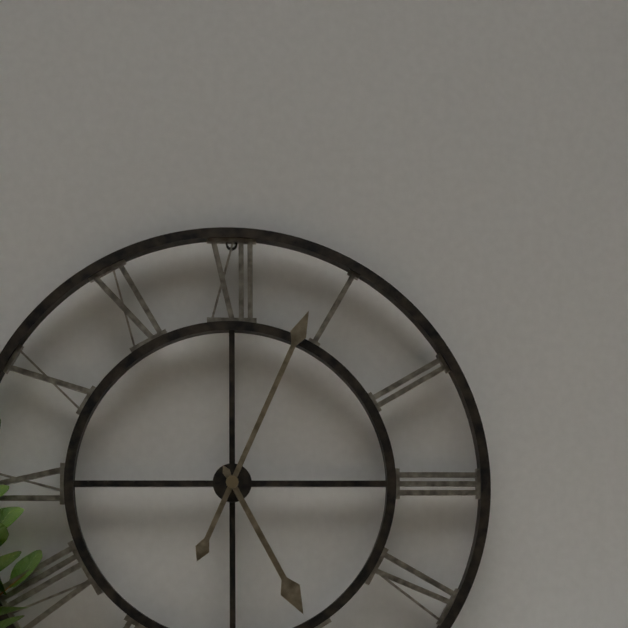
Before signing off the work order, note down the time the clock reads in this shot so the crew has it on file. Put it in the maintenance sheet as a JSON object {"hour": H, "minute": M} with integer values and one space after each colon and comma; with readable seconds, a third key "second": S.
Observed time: {"hour": 5, "minute": 4}
